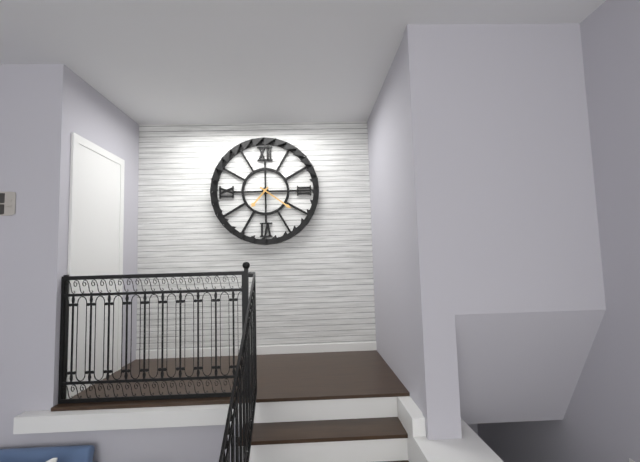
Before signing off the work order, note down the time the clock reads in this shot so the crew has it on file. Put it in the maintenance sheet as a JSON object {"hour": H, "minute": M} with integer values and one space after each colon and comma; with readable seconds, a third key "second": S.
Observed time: {"hour": 7, "minute": 21}
